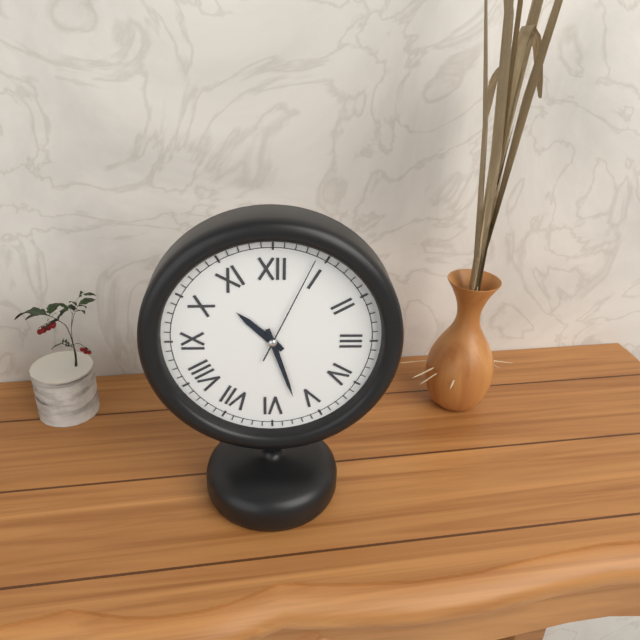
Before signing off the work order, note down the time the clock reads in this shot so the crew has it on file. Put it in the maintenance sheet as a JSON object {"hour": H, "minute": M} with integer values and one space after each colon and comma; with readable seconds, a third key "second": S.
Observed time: {"hour": 10, "minute": 27, "second": 4}
